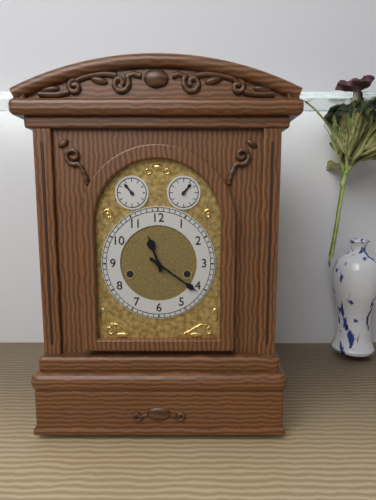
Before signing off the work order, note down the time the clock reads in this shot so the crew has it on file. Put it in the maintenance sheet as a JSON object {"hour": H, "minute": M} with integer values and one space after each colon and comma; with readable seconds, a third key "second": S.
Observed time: {"hour": 11, "minute": 21}
